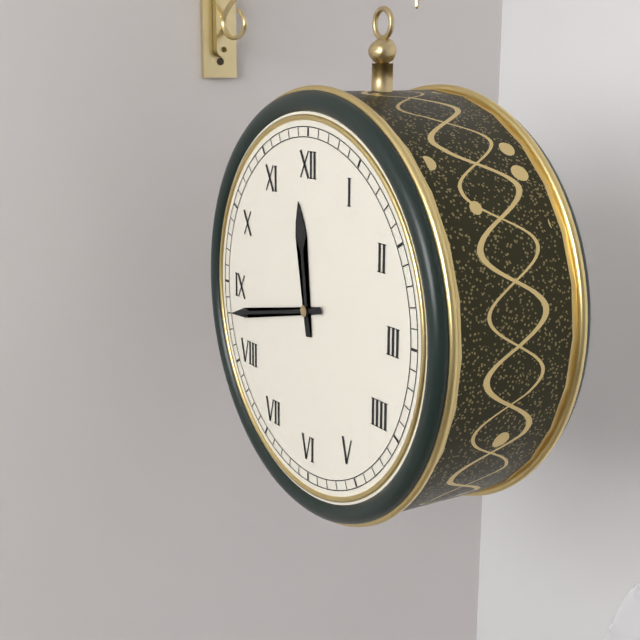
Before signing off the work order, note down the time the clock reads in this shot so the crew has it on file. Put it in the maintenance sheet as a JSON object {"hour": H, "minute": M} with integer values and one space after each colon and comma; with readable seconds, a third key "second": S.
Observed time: {"hour": 11, "minute": 43}
